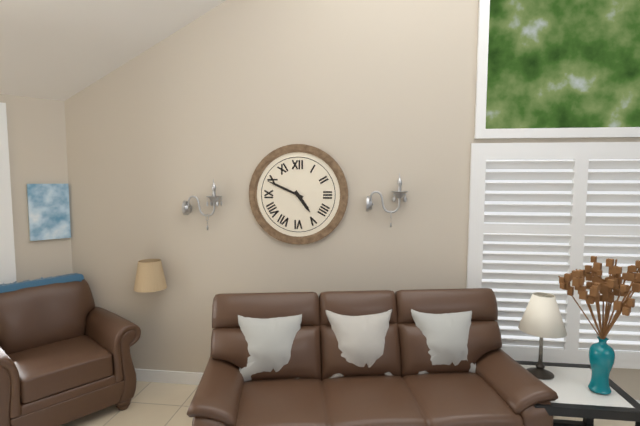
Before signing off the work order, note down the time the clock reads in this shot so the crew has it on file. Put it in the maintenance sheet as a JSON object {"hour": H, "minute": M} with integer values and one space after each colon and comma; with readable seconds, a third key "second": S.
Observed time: {"hour": 4, "minute": 49}
